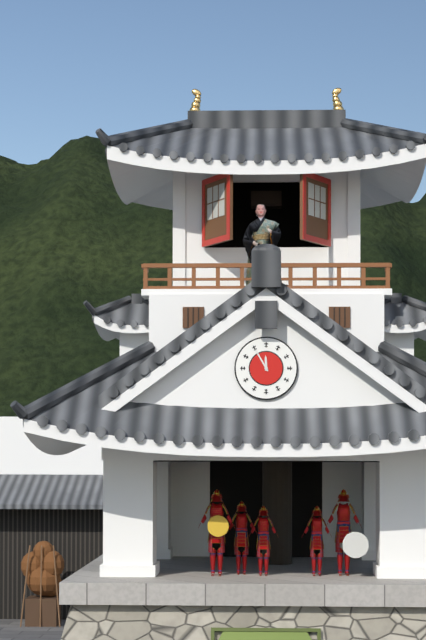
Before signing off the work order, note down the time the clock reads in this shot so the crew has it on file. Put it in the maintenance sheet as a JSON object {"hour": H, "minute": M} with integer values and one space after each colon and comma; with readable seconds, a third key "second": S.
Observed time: {"hour": 11, "minute": 55}
